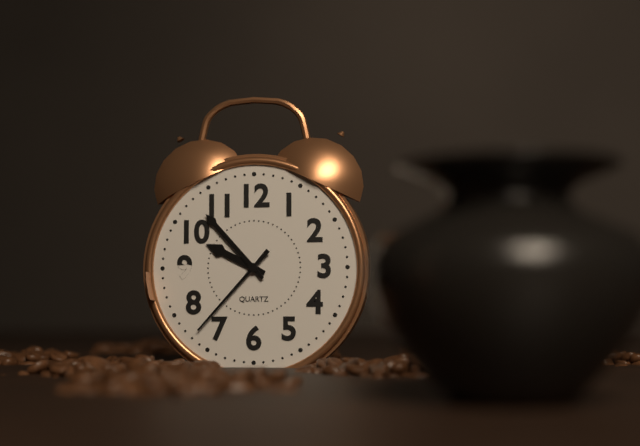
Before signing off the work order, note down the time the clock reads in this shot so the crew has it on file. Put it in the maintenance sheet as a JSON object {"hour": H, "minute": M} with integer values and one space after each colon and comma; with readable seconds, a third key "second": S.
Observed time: {"hour": 9, "minute": 53, "second": 37}
